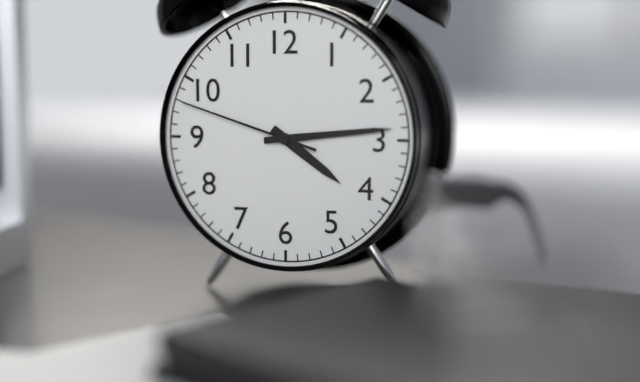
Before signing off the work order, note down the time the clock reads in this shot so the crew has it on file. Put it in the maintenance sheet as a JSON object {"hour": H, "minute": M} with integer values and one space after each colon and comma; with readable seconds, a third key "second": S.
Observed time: {"hour": 4, "minute": 14, "second": 48}
